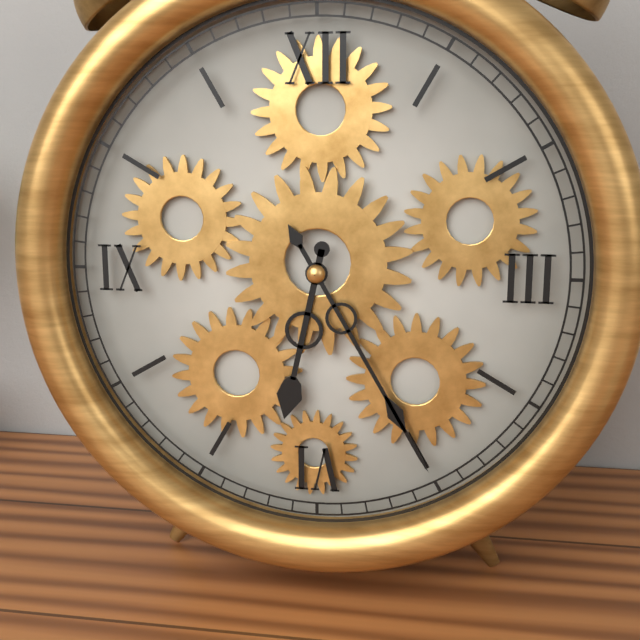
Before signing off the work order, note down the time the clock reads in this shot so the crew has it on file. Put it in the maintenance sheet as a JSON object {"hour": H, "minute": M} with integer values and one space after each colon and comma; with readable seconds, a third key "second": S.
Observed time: {"hour": 6, "minute": 25}
